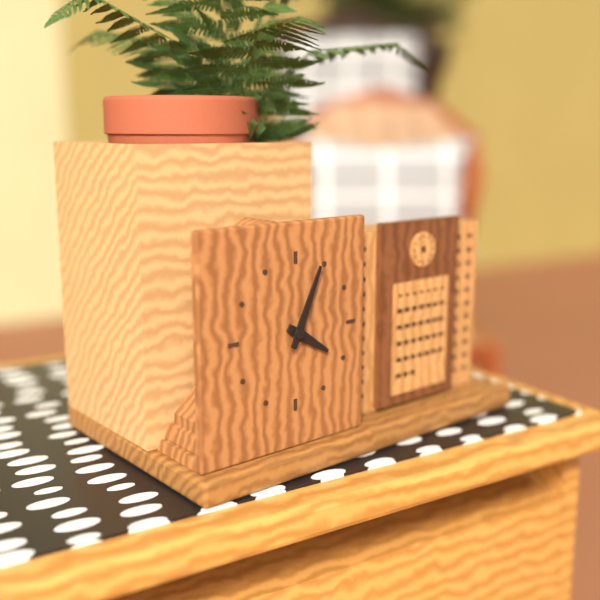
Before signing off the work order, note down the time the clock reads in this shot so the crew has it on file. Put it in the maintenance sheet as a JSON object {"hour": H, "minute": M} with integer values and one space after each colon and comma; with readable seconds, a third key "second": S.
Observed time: {"hour": 4, "minute": 4}
